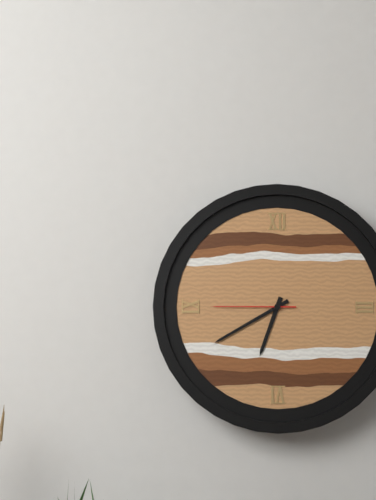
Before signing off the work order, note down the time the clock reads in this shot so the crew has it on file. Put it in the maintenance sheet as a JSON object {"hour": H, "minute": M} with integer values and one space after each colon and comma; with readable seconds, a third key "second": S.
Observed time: {"hour": 6, "minute": 40, "second": 45}
